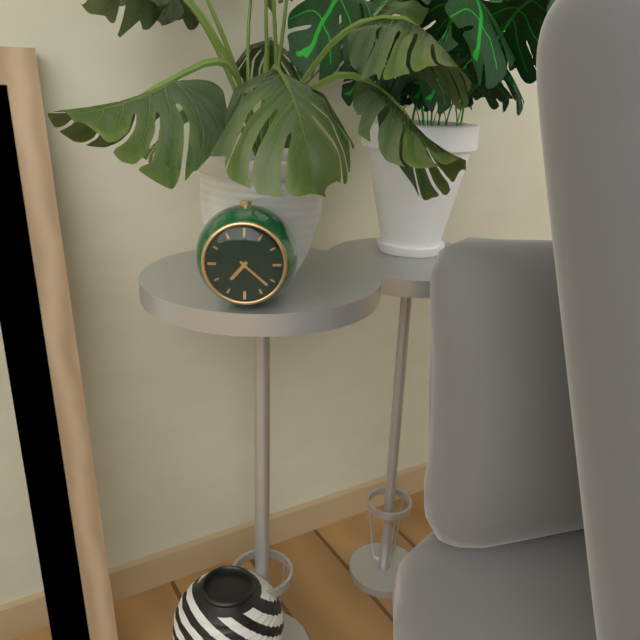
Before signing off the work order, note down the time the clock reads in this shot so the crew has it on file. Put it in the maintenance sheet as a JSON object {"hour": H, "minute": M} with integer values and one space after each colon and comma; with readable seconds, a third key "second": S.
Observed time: {"hour": 7, "minute": 22}
